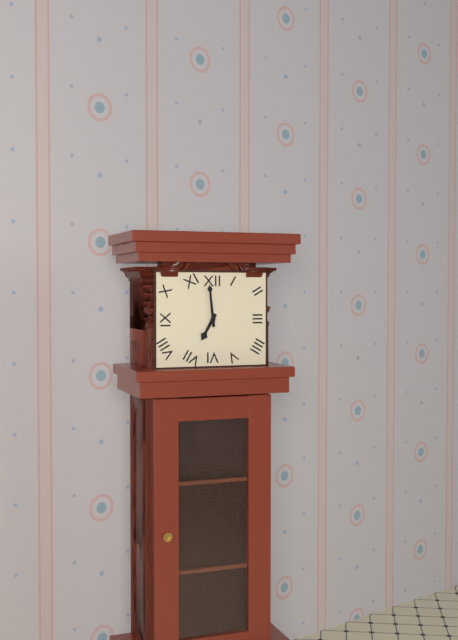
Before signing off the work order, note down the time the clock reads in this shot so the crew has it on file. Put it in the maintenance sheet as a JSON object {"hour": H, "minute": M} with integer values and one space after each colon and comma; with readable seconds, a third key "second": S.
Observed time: {"hour": 6, "minute": 59}
